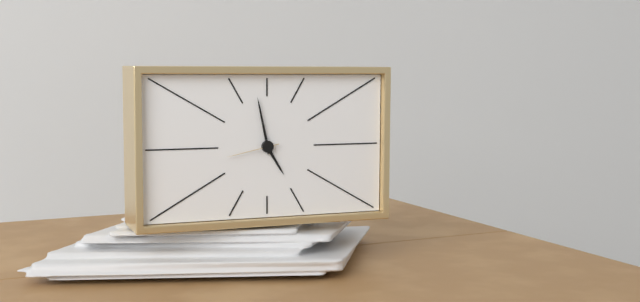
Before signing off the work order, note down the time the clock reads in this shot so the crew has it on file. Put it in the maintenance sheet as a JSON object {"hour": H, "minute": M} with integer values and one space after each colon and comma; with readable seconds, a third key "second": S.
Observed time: {"hour": 4, "minute": 58, "second": 43}
